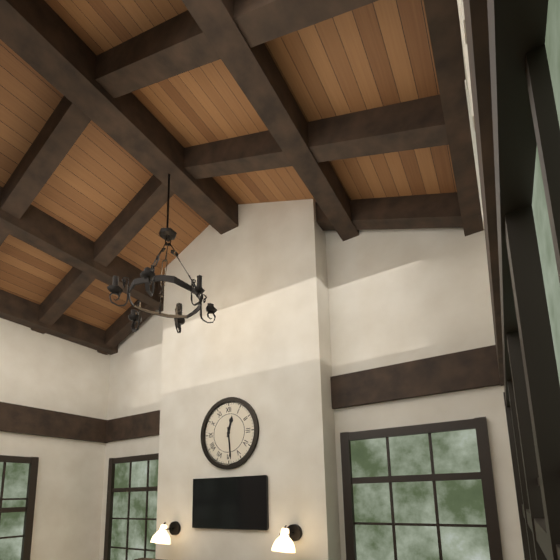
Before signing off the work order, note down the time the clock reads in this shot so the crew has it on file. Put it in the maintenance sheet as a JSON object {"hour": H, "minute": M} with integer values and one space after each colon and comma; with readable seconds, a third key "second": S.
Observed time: {"hour": 12, "minute": 29}
